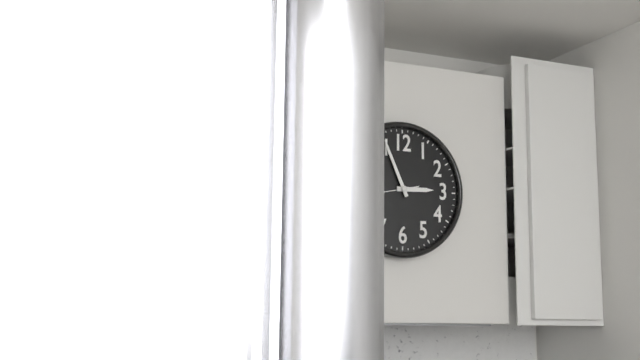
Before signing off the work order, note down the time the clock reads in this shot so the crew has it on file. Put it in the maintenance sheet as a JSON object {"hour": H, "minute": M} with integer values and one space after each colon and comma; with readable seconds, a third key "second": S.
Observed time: {"hour": 2, "minute": 56}
